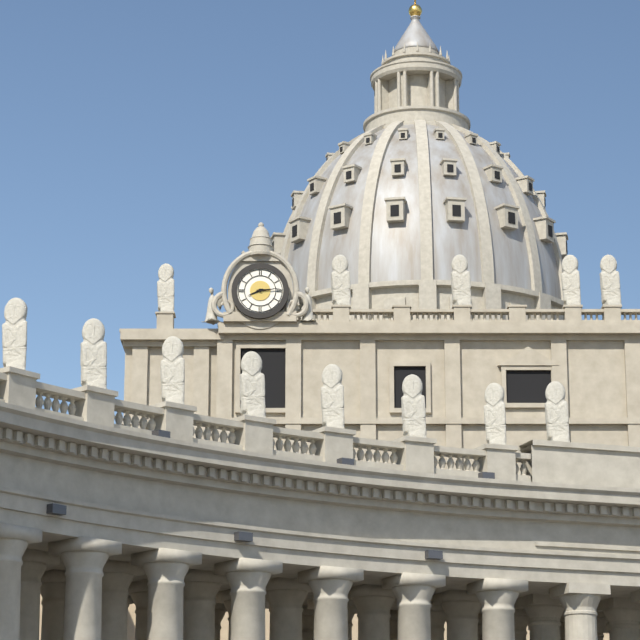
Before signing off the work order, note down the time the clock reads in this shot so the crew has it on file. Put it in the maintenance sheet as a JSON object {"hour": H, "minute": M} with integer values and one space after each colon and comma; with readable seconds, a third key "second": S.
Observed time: {"hour": 8, "minute": 14}
